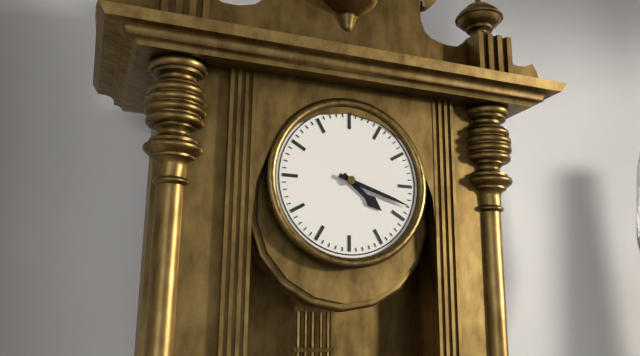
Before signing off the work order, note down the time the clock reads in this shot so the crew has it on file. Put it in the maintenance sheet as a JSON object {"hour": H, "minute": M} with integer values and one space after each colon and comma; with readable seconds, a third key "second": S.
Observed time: {"hour": 4, "minute": 18}
